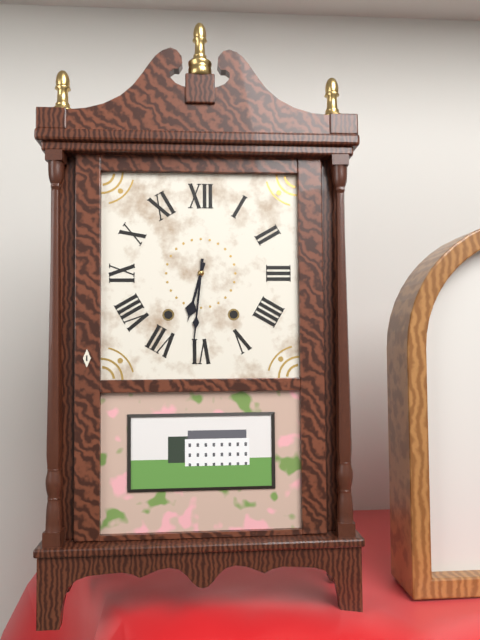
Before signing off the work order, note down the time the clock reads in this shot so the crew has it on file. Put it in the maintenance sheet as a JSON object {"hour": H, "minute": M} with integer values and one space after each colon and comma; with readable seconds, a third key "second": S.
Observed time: {"hour": 6, "minute": 31}
